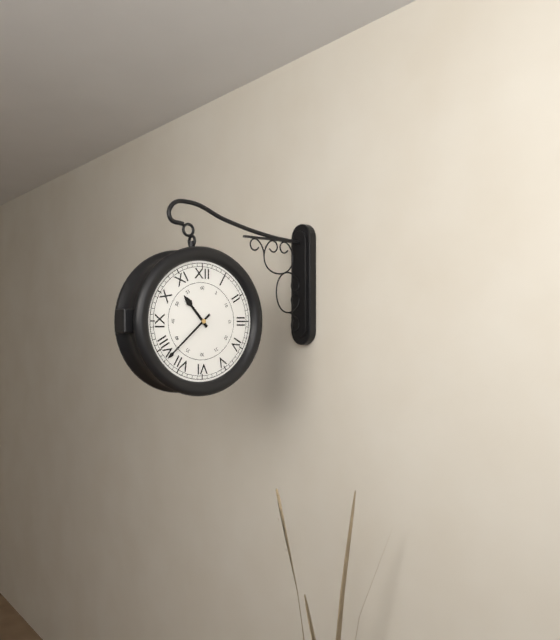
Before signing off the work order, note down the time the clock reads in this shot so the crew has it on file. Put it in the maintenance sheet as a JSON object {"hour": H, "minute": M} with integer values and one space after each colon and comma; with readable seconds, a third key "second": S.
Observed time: {"hour": 10, "minute": 38}
